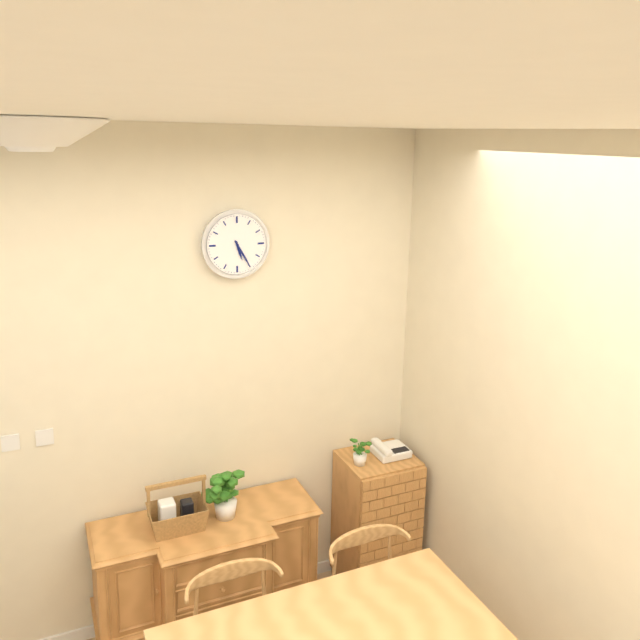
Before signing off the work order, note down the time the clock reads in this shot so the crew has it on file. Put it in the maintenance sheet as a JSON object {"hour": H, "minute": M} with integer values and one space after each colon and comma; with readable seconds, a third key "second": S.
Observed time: {"hour": 5, "minute": 25}
